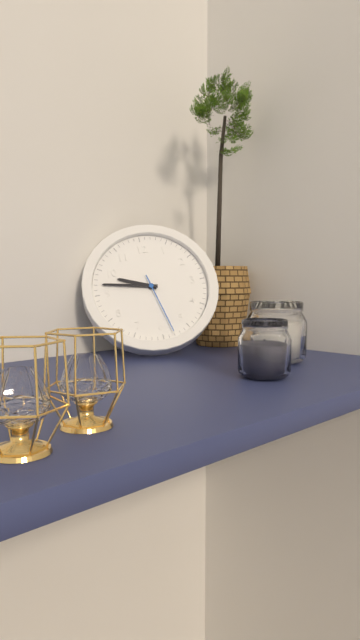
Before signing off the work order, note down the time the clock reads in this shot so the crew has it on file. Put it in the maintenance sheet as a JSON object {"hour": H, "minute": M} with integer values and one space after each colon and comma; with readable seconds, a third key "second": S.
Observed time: {"hour": 9, "minute": 47, "second": 28}
